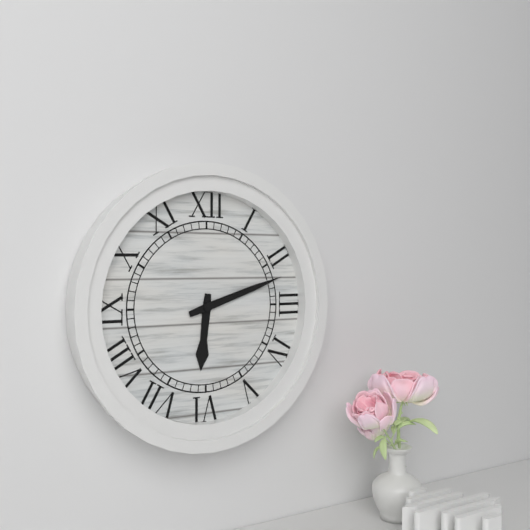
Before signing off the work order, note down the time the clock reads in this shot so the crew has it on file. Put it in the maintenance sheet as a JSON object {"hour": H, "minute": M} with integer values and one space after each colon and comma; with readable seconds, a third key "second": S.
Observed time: {"hour": 6, "minute": 12}
